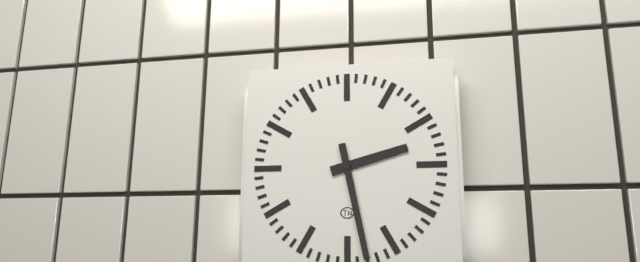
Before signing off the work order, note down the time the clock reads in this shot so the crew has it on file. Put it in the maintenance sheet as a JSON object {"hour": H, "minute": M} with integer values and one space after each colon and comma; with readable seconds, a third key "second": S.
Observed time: {"hour": 2, "minute": 28}
